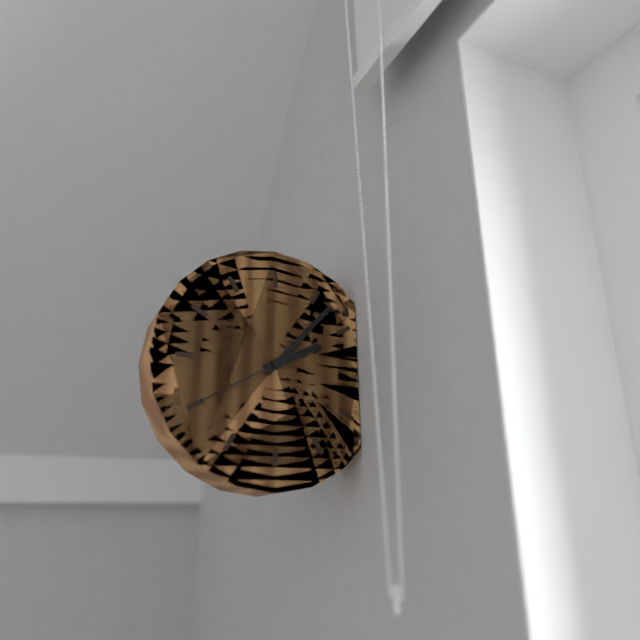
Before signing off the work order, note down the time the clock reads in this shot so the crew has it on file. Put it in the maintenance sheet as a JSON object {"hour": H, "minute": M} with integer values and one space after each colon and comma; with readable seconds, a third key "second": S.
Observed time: {"hour": 2, "minute": 7, "second": 40}
